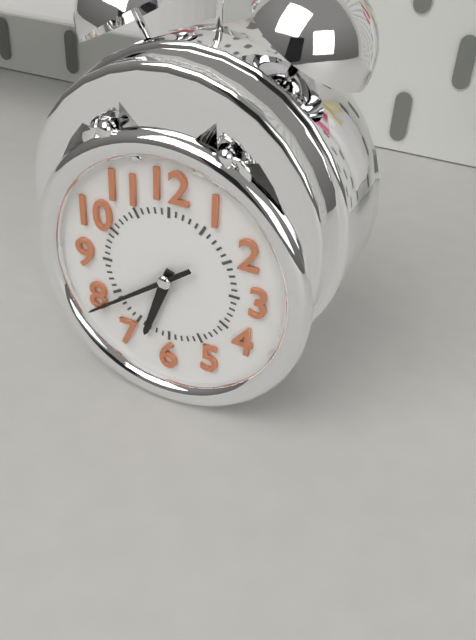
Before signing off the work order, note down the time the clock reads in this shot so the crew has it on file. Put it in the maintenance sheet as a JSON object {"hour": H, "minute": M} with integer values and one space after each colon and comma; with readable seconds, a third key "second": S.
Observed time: {"hour": 6, "minute": 39}
